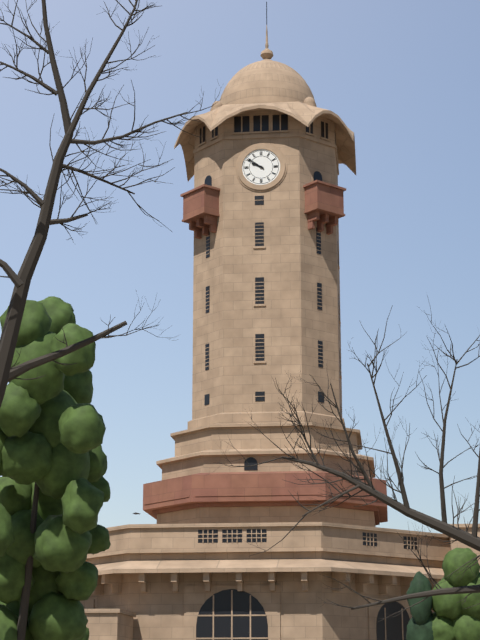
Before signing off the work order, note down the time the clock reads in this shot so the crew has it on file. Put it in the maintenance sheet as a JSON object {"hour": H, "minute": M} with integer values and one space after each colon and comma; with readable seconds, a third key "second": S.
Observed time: {"hour": 9, "minute": 51}
